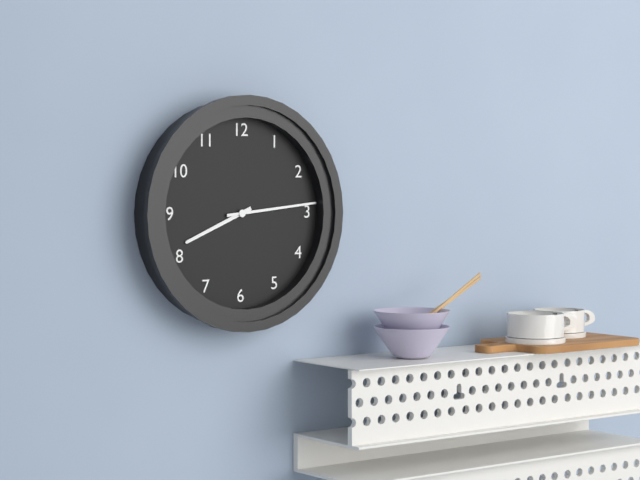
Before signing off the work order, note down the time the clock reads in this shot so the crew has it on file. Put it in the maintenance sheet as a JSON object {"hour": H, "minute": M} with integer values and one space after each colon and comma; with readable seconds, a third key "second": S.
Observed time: {"hour": 8, "minute": 14}
